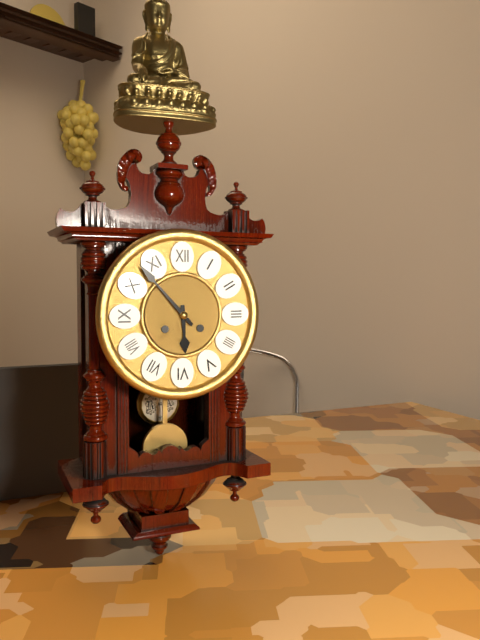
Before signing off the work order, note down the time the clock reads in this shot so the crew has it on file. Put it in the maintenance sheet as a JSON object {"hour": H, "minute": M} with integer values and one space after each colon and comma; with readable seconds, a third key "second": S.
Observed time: {"hour": 5, "minute": 53}
